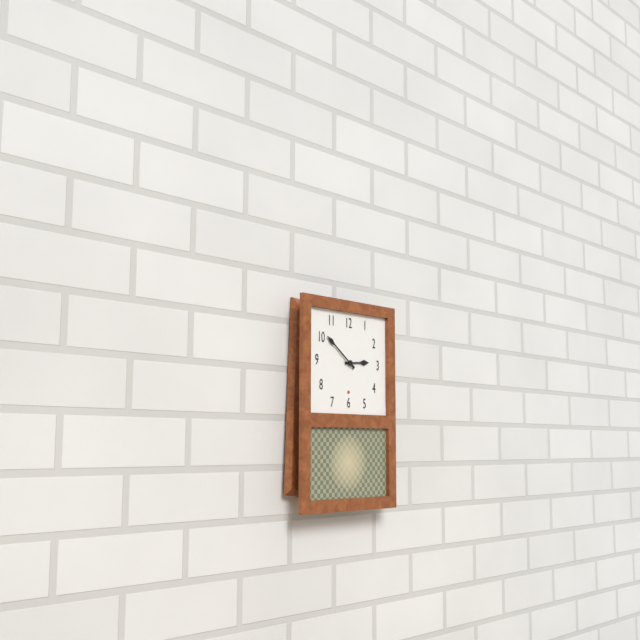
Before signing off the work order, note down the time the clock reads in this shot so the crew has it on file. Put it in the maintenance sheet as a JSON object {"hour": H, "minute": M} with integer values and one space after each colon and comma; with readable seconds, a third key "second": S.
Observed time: {"hour": 2, "minute": 51}
